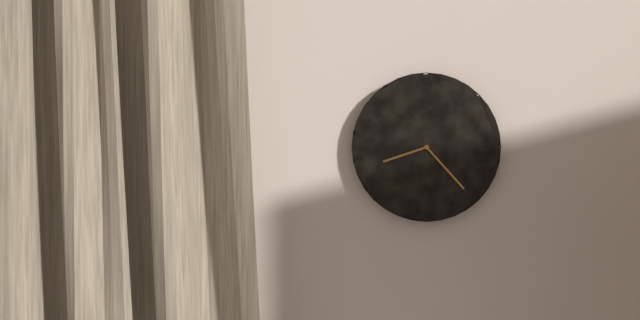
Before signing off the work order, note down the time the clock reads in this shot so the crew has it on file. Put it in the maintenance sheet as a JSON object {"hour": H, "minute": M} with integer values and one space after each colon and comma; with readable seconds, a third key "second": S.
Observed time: {"hour": 8, "minute": 23}
